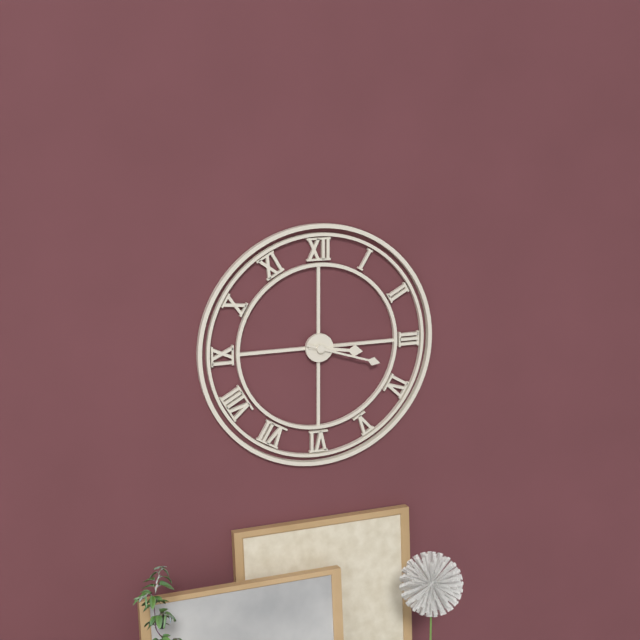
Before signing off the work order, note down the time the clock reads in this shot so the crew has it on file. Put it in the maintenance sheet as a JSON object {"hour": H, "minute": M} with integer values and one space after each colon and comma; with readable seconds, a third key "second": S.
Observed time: {"hour": 3, "minute": 18}
